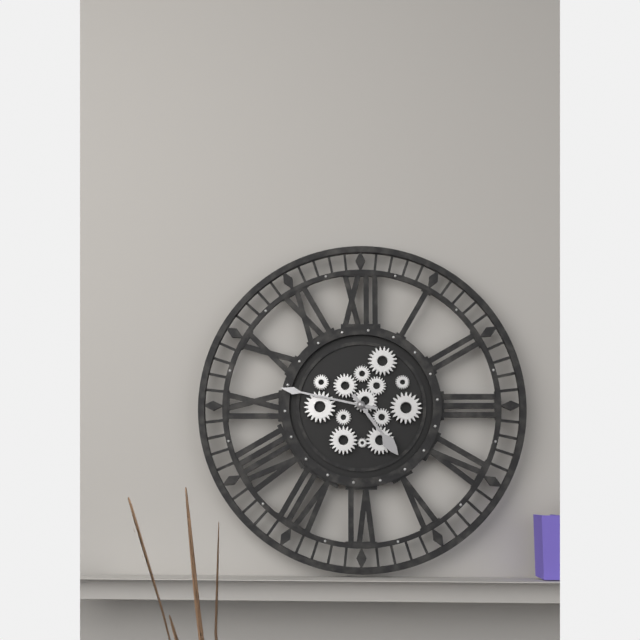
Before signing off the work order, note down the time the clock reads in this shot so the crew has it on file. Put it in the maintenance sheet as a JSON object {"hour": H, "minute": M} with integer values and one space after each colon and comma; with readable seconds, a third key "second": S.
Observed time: {"hour": 4, "minute": 47}
